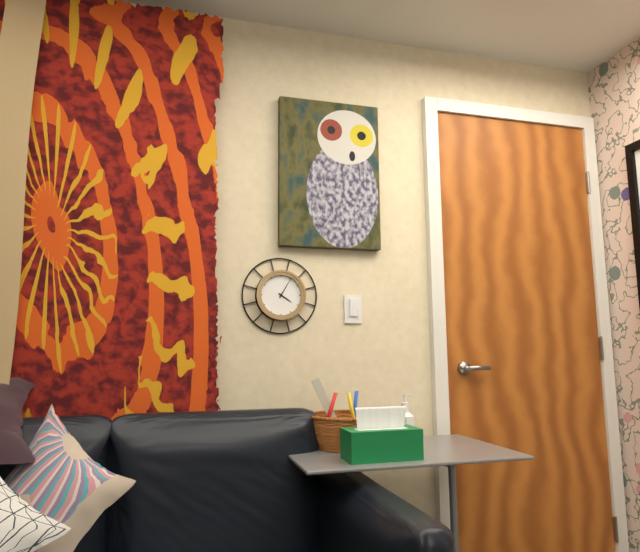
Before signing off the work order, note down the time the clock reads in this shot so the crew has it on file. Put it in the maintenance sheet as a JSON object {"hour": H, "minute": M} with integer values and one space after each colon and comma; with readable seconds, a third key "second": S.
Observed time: {"hour": 4, "minute": 5}
